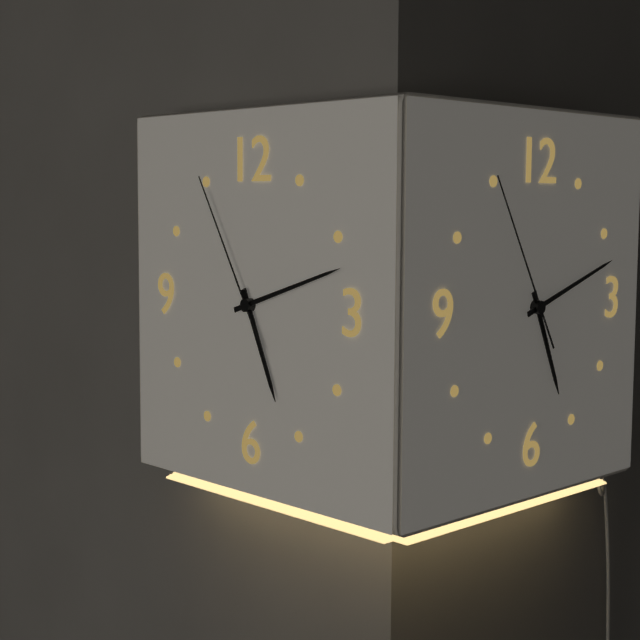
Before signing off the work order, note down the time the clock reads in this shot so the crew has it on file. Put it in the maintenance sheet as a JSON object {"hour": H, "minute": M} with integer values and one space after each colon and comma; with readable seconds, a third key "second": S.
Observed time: {"hour": 5, "minute": 12, "second": 55}
